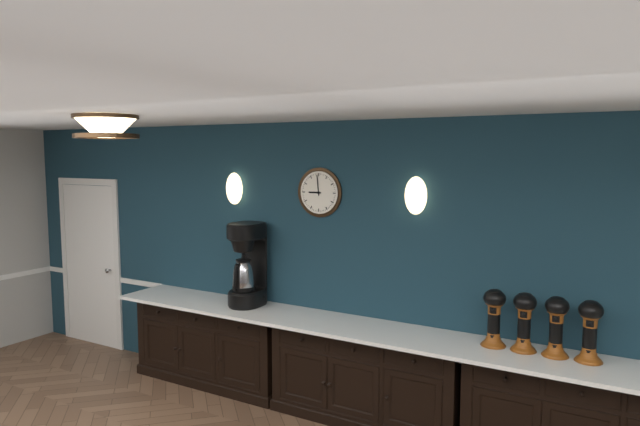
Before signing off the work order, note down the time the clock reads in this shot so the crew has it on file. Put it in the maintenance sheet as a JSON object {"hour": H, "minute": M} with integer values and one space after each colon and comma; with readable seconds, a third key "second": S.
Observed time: {"hour": 8, "minute": 59}
